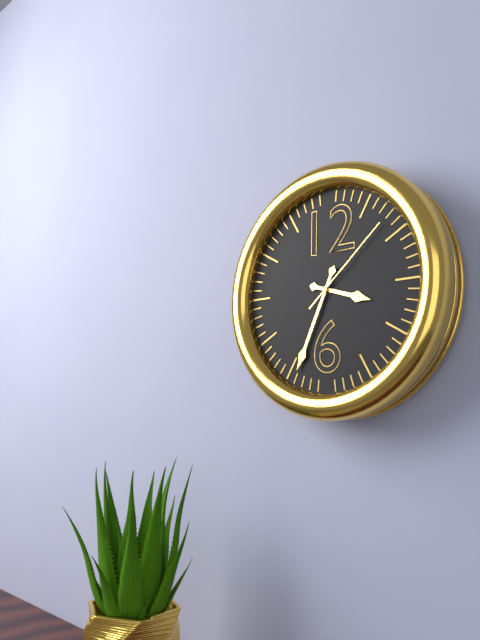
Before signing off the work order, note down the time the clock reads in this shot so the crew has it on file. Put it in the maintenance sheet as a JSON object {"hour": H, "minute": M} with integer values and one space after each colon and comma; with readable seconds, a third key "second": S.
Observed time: {"hour": 3, "minute": 34, "second": 8}
